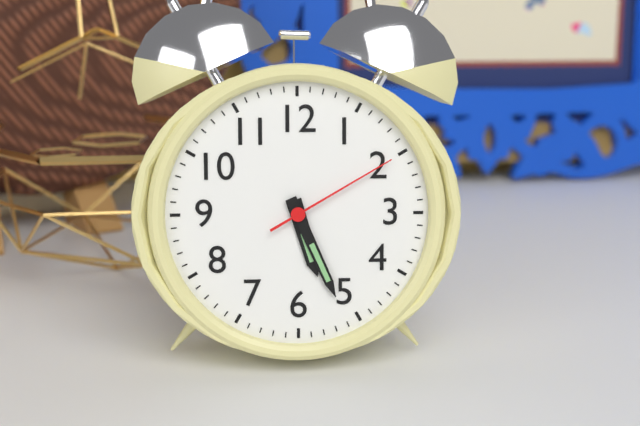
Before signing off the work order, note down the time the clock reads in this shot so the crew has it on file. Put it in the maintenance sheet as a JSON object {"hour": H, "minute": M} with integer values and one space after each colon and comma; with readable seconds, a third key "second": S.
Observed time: {"hour": 5, "minute": 26, "second": 10}
